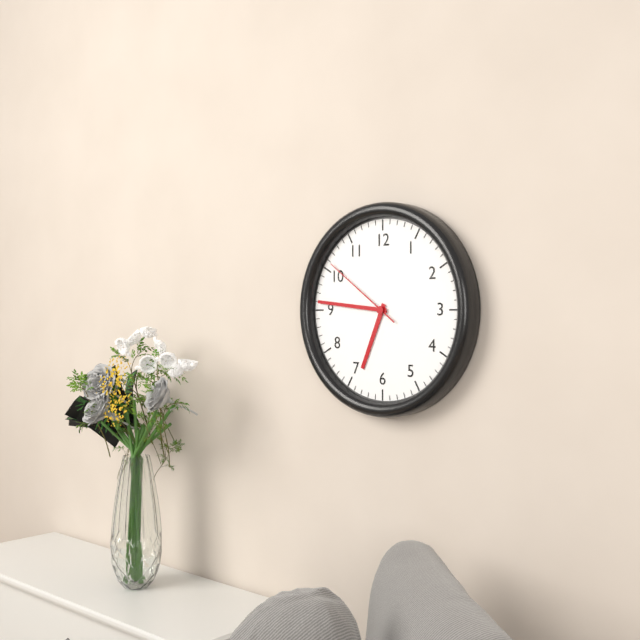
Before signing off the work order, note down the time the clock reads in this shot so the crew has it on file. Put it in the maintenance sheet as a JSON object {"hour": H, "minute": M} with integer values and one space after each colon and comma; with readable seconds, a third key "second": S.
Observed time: {"hour": 6, "minute": 46, "second": 51}
